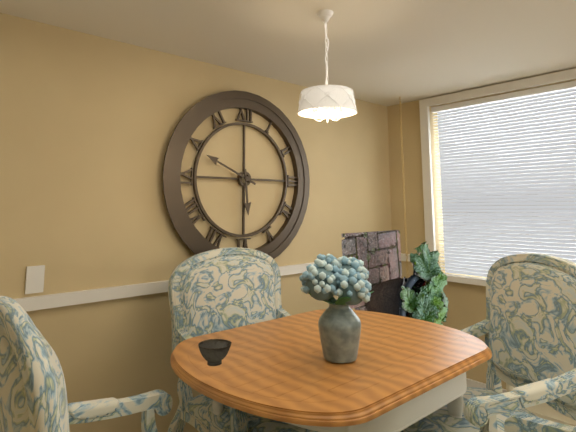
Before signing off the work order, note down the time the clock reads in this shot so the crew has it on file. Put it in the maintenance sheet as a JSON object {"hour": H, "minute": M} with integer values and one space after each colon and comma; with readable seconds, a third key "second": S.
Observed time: {"hour": 5, "minute": 49}
